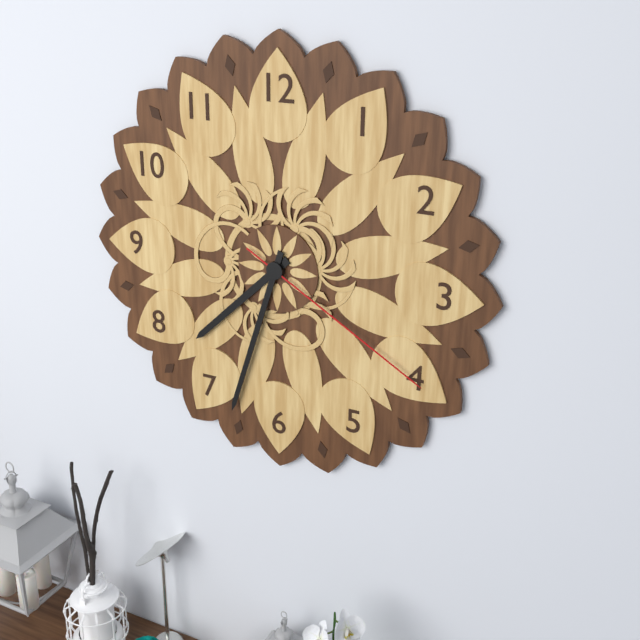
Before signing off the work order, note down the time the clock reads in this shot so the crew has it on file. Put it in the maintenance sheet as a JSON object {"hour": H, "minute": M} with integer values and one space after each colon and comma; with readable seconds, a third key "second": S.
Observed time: {"hour": 7, "minute": 33, "second": 20}
